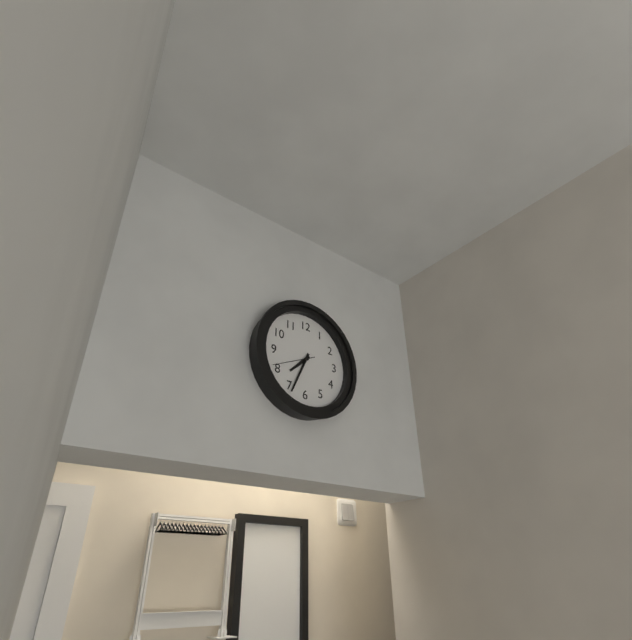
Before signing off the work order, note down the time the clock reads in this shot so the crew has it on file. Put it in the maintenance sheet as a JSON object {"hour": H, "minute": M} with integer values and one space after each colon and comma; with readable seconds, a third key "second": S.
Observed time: {"hour": 7, "minute": 34}
